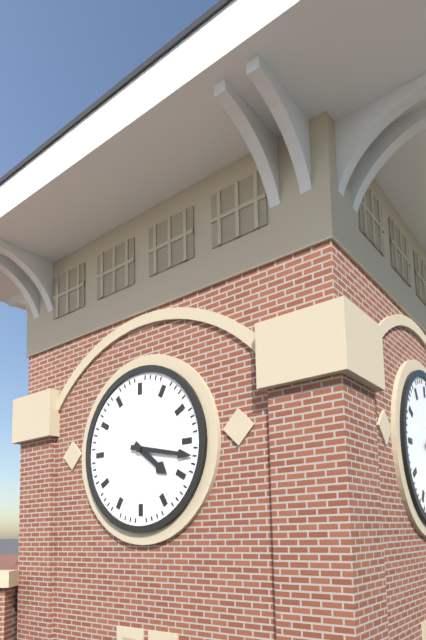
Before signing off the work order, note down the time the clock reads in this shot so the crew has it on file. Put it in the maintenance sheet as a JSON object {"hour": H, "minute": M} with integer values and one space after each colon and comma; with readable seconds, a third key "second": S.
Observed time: {"hour": 4, "minute": 17}
